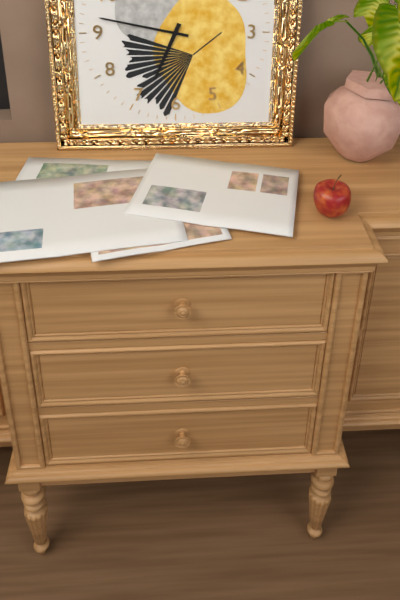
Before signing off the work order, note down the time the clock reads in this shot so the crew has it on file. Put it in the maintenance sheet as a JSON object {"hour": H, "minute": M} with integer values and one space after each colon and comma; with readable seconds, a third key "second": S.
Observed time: {"hour": 6, "minute": 47}
